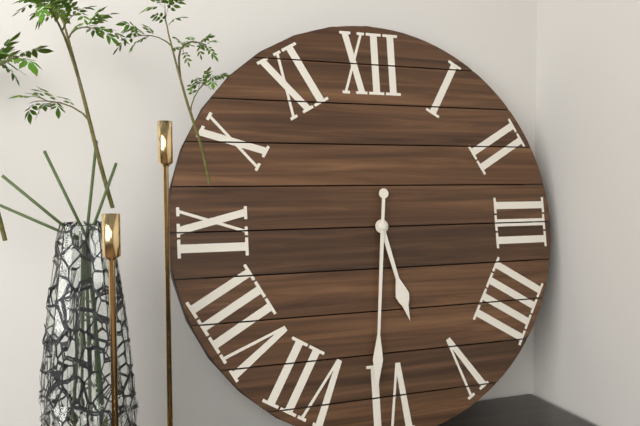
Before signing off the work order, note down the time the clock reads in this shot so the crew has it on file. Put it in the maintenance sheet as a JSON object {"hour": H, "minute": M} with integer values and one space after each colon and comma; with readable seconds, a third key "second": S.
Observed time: {"hour": 5, "minute": 31}
